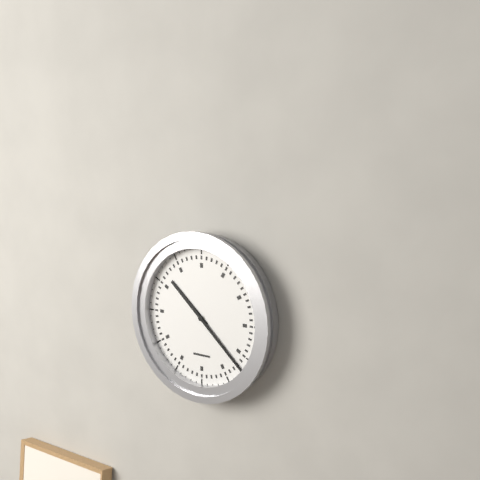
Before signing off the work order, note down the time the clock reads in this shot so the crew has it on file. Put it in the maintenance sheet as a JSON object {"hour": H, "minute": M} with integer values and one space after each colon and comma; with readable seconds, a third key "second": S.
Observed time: {"hour": 10, "minute": 22}
